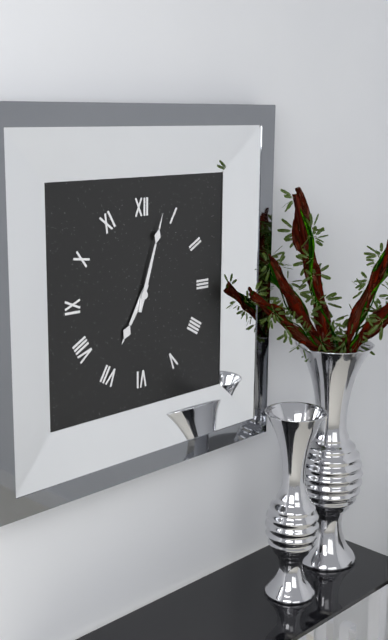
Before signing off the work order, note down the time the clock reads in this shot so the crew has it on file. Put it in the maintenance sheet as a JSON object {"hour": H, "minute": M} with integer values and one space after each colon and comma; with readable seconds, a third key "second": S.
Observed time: {"hour": 7, "minute": 3}
